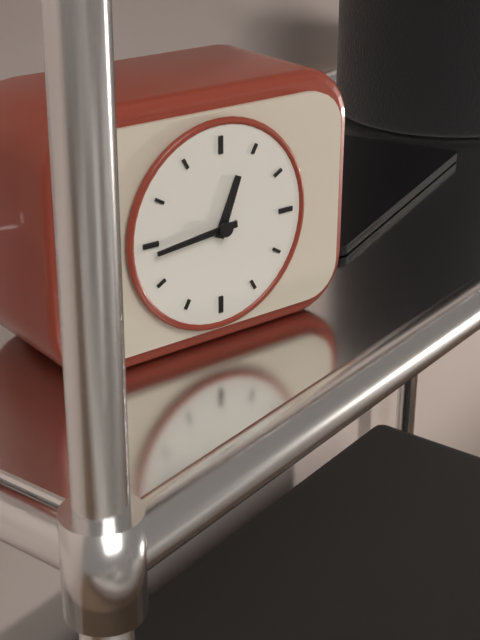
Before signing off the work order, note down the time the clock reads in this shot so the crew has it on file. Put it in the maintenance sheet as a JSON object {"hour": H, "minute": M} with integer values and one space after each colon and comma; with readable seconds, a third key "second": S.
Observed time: {"hour": 12, "minute": 44}
